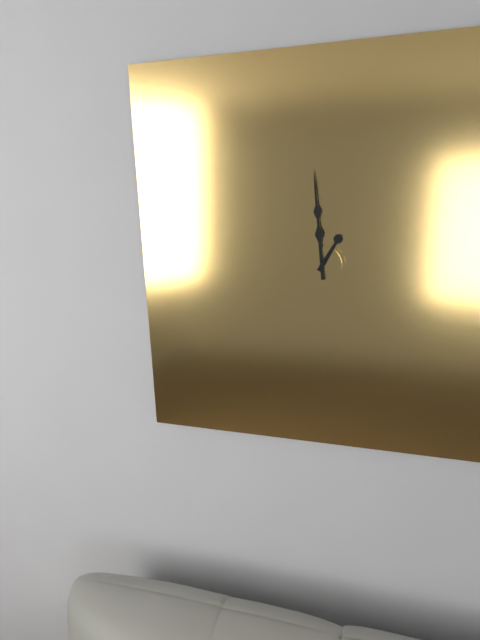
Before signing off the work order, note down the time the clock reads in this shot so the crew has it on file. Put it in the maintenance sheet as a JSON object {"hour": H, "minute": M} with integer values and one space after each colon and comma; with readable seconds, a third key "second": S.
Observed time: {"hour": 12, "minute": 59}
